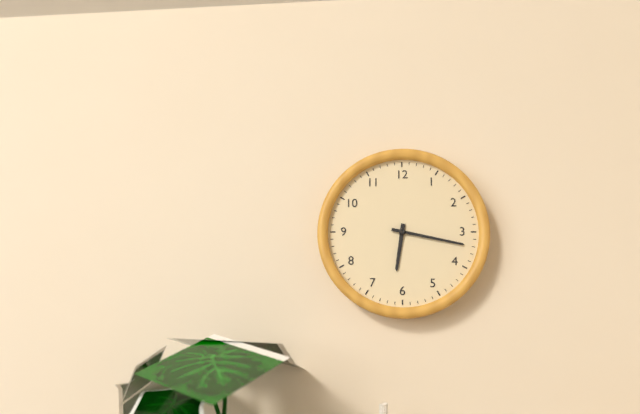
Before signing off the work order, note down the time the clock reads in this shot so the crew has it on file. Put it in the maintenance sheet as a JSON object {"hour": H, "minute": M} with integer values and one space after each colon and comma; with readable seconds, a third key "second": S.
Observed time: {"hour": 6, "minute": 17}
